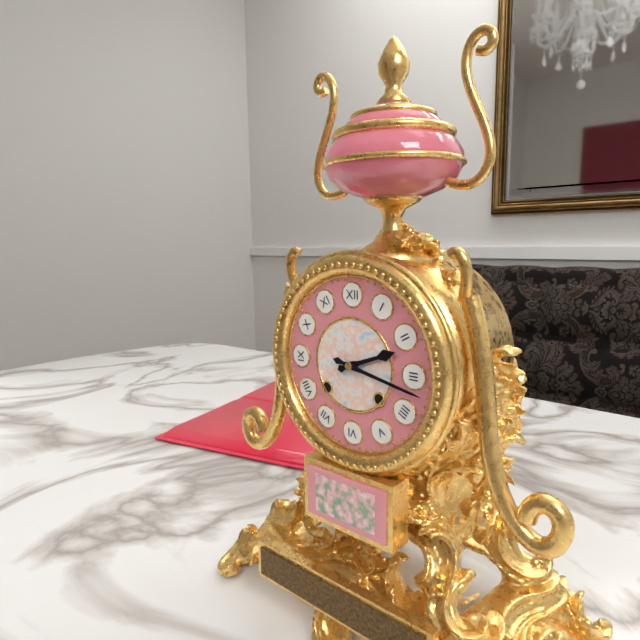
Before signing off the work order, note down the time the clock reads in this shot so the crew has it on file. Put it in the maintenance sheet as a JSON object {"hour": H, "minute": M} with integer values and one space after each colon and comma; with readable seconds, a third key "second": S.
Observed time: {"hour": 2, "minute": 17}
